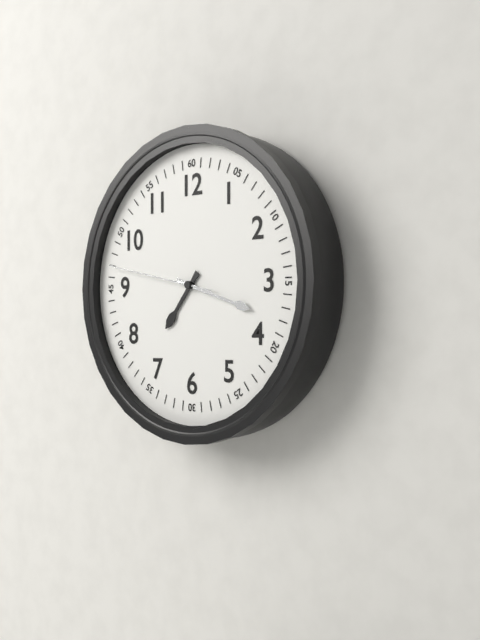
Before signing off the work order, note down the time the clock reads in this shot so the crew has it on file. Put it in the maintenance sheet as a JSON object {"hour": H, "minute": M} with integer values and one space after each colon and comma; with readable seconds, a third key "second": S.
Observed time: {"hour": 7, "minute": 18, "second": 47}
